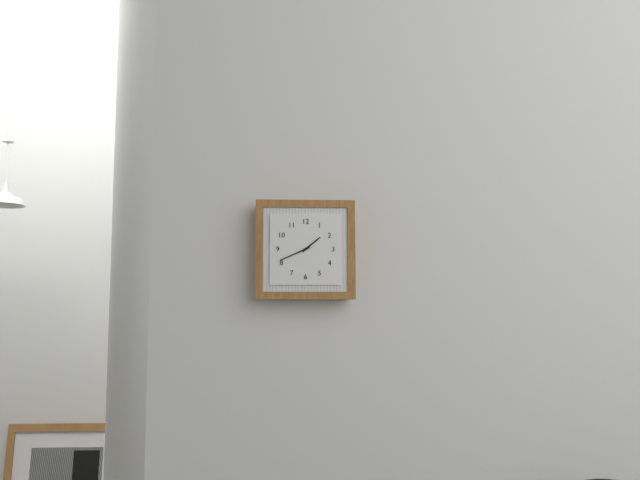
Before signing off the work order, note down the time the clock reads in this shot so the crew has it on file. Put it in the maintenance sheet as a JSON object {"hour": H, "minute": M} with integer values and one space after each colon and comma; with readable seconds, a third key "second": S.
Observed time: {"hour": 1, "minute": 41}
